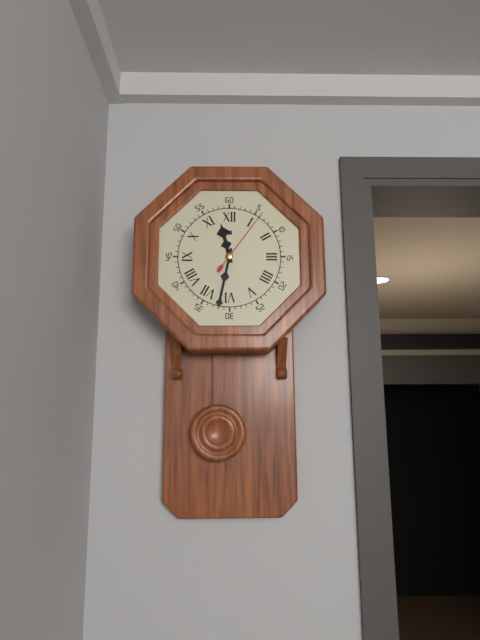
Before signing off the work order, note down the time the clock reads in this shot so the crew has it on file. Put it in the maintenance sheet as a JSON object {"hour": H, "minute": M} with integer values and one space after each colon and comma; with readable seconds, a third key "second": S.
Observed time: {"hour": 11, "minute": 32, "second": 6}
